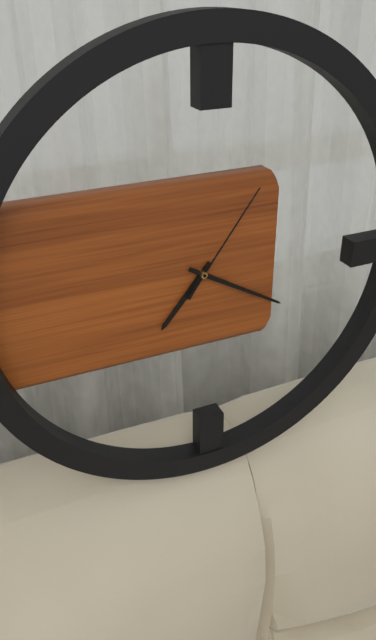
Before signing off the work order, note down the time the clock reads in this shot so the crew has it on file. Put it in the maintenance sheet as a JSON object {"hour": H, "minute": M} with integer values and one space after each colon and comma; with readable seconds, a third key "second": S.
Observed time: {"hour": 7, "minute": 20, "second": 6}
